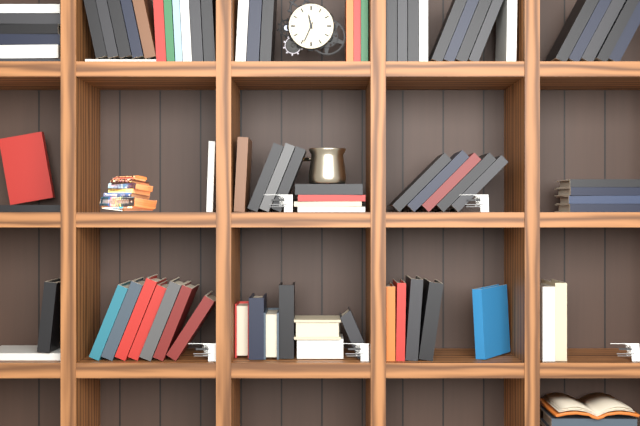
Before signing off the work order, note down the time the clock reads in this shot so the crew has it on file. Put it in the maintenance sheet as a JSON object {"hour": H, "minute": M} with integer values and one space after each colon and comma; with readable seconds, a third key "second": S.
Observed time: {"hour": 11, "minute": 34}
